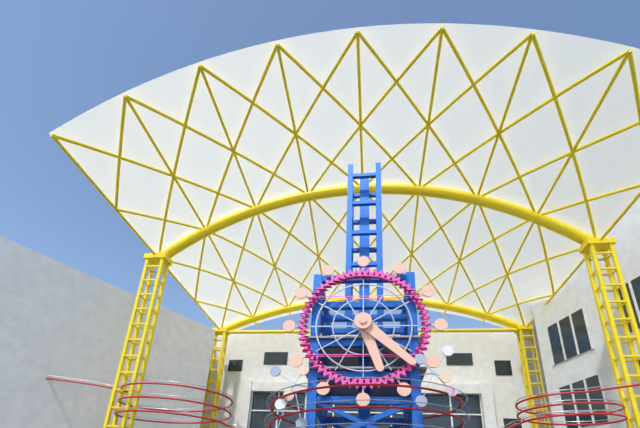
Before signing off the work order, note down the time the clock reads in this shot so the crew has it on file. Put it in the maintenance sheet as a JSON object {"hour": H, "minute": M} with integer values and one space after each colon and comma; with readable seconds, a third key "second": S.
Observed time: {"hour": 5, "minute": 22}
